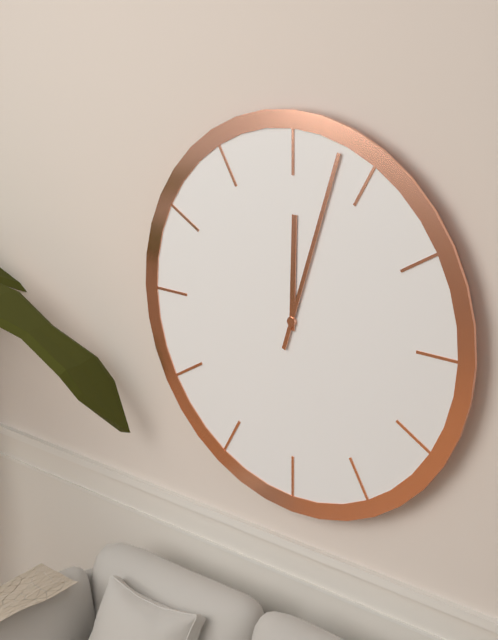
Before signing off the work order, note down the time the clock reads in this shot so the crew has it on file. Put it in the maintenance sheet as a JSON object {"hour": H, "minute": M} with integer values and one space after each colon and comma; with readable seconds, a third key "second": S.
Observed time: {"hour": 12, "minute": 3}
